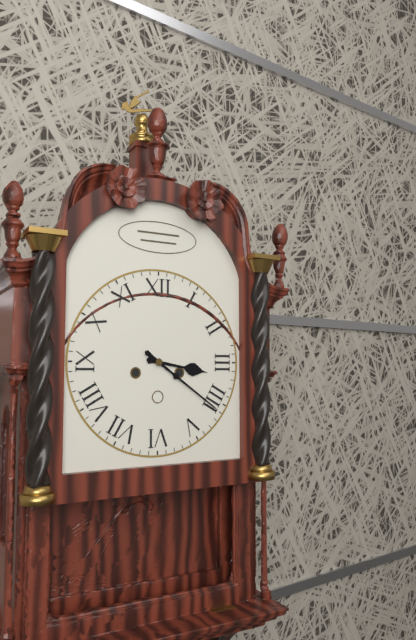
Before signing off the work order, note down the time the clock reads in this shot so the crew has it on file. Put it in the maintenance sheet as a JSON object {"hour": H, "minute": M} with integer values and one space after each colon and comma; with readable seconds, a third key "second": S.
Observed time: {"hour": 3, "minute": 21}
